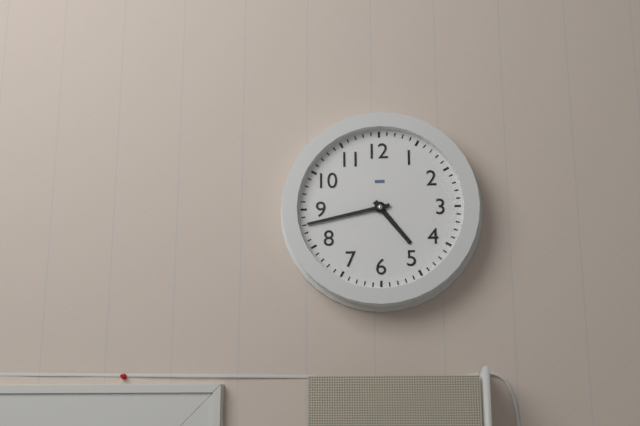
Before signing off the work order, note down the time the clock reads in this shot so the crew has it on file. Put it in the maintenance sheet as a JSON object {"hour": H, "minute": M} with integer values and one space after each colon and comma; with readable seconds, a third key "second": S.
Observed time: {"hour": 4, "minute": 43}
